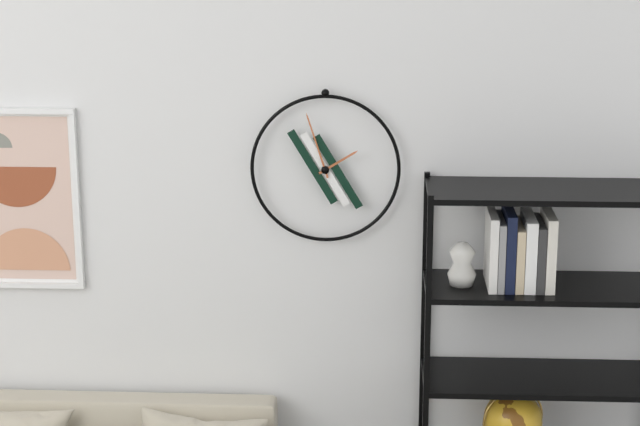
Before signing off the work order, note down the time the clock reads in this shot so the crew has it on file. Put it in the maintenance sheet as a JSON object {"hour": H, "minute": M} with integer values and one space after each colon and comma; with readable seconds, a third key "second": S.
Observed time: {"hour": 1, "minute": 57}
